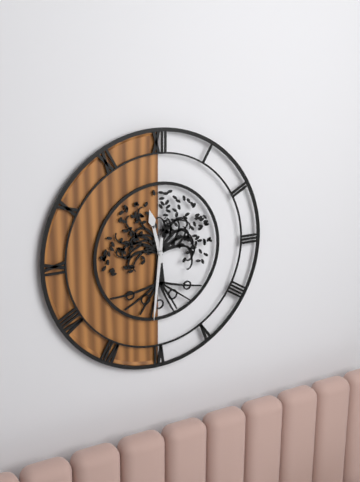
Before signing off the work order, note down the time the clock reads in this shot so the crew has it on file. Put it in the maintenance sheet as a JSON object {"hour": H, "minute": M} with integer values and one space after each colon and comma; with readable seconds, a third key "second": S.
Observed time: {"hour": 11, "minute": 31}
